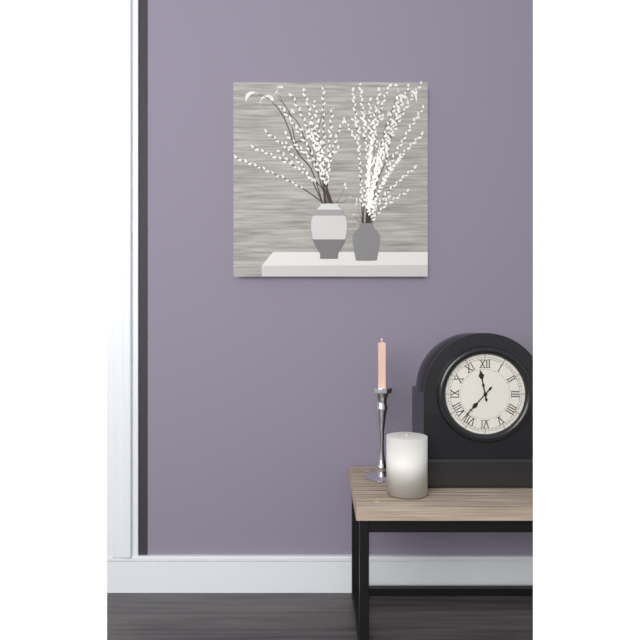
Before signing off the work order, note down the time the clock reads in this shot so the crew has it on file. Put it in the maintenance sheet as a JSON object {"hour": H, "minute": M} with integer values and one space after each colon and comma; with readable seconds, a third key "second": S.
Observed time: {"hour": 11, "minute": 37}
